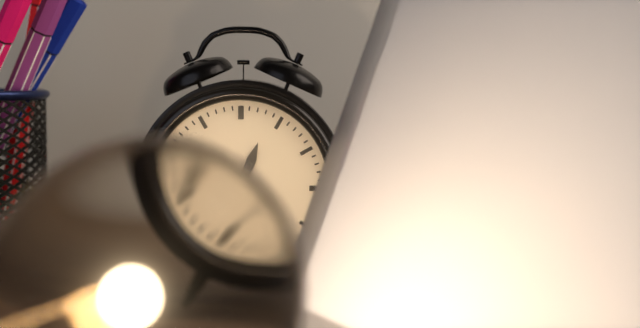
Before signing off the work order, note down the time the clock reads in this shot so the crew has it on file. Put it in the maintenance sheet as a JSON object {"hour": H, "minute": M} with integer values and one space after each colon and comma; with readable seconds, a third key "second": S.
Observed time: {"hour": 12, "minute": 41}
